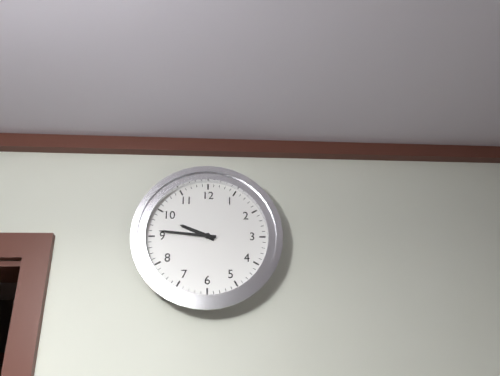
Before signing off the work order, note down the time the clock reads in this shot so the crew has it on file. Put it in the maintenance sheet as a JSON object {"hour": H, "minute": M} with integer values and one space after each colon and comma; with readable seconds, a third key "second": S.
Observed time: {"hour": 9, "minute": 46}
